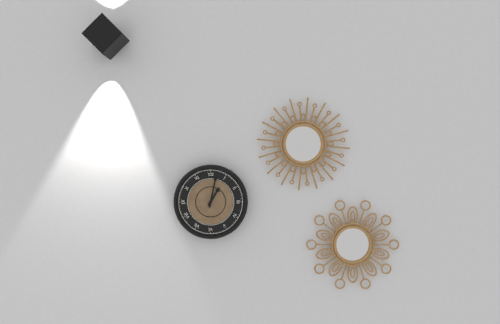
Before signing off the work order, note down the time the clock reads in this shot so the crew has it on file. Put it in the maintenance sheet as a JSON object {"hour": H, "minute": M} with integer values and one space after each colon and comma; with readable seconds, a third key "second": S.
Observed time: {"hour": 1, "minute": 2}
